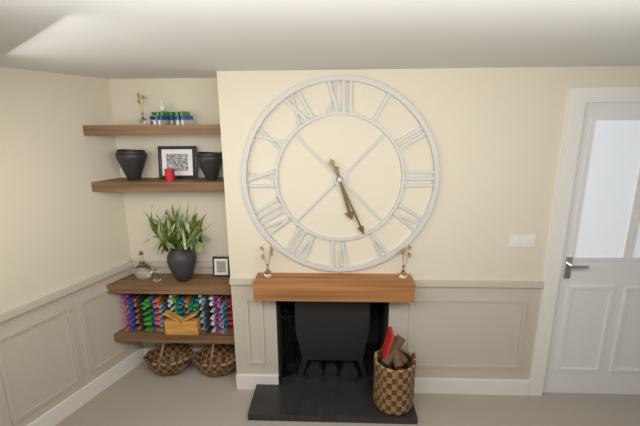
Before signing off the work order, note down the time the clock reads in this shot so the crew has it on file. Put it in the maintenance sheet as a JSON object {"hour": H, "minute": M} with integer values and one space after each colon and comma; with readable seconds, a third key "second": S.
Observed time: {"hour": 5, "minute": 26}
